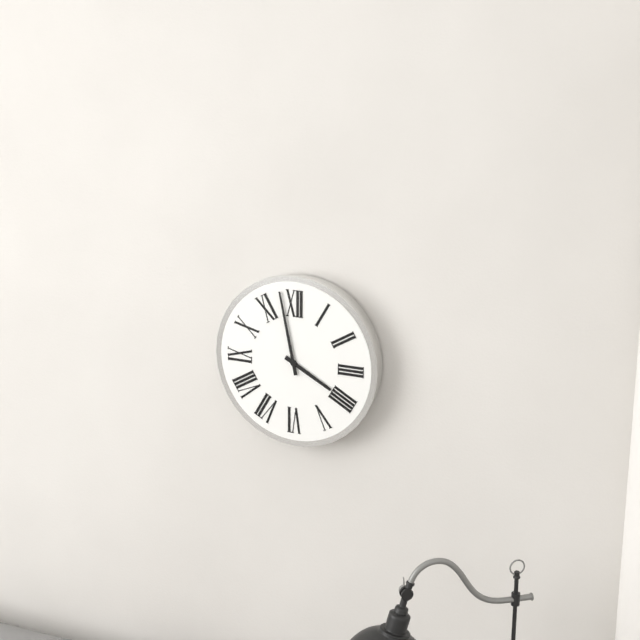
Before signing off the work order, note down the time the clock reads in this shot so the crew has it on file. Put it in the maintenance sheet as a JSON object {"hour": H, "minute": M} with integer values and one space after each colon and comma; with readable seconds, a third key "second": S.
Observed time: {"hour": 3, "minute": 58}
